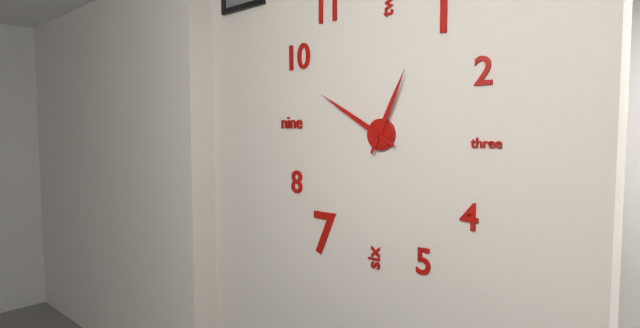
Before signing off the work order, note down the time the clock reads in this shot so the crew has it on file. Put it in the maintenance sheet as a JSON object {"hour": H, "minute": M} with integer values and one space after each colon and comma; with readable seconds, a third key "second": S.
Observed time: {"hour": 12, "minute": 50}
